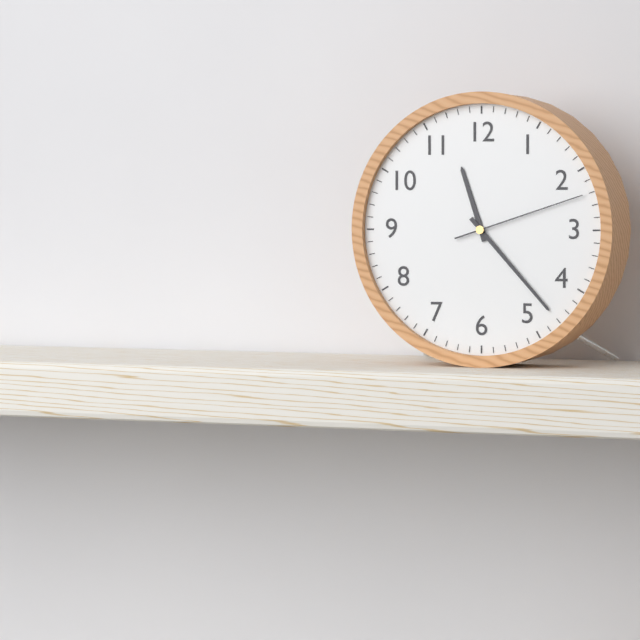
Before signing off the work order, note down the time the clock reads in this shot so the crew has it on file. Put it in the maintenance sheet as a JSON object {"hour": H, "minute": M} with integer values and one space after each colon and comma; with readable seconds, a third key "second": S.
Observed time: {"hour": 11, "minute": 23, "second": 12}
